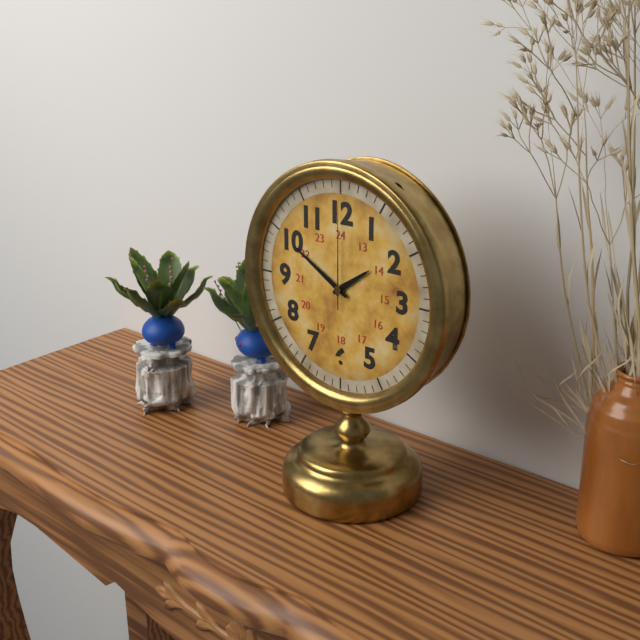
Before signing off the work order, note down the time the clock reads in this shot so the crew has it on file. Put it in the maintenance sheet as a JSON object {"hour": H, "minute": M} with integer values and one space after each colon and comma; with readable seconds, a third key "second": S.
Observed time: {"hour": 1, "minute": 50, "second": 0}
